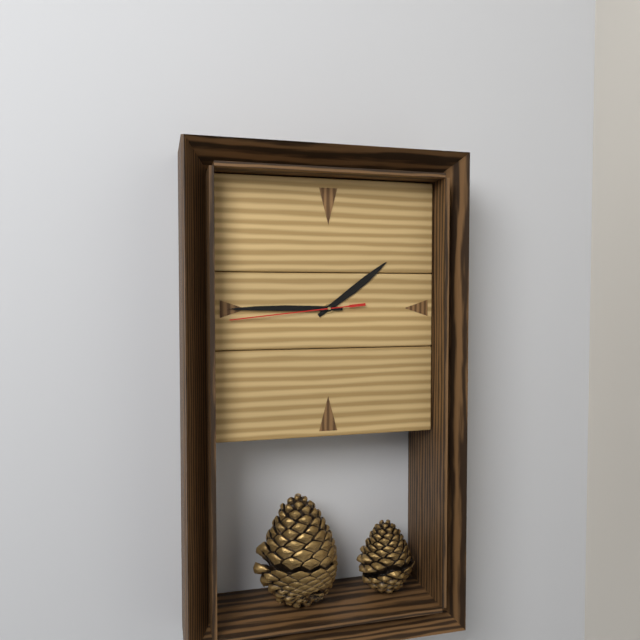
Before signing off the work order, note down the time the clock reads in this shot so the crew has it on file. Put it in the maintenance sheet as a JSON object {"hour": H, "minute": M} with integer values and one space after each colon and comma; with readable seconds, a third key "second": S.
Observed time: {"hour": 1, "minute": 45, "second": 44}
